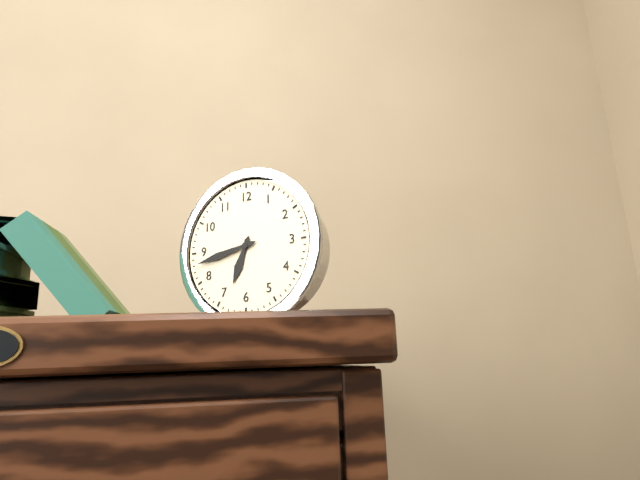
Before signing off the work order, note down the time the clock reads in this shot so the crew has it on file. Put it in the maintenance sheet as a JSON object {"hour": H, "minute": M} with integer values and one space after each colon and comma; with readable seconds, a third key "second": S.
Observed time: {"hour": 6, "minute": 43}
